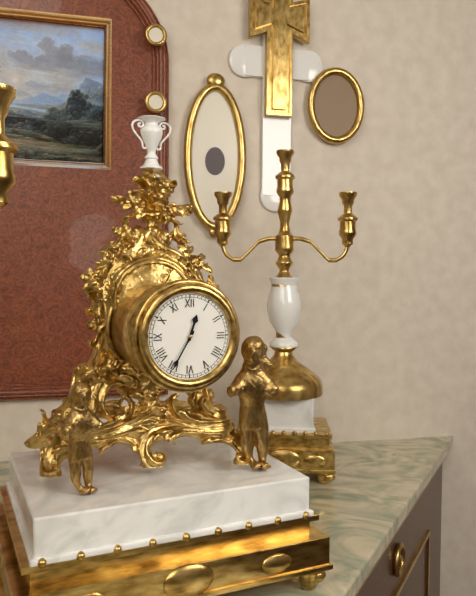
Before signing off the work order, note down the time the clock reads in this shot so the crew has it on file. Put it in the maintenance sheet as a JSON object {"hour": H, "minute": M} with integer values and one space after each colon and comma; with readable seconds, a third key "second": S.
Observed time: {"hour": 12, "minute": 35}
